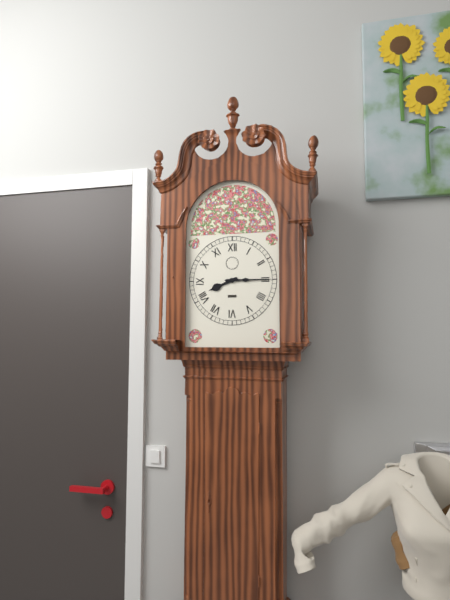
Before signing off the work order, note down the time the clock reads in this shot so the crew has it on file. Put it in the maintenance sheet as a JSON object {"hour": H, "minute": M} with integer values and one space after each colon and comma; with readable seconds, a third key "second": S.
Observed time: {"hour": 8, "minute": 15}
